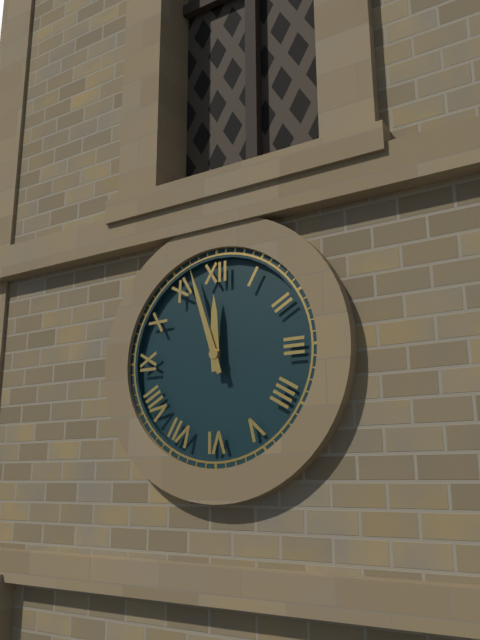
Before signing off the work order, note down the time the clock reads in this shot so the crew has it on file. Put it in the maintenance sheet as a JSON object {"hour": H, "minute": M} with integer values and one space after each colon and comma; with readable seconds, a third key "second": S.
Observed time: {"hour": 11, "minute": 57}
